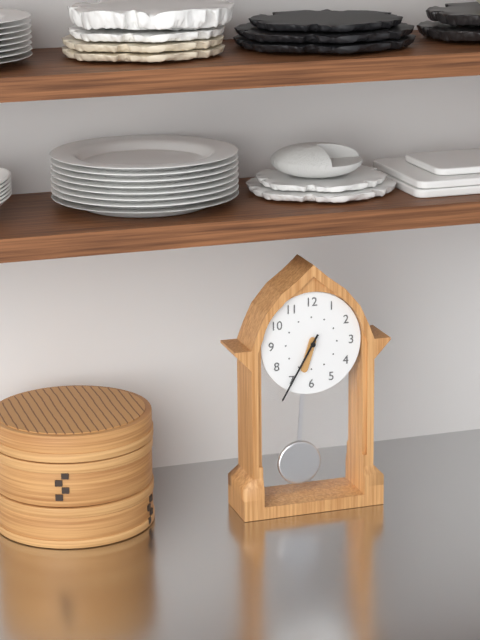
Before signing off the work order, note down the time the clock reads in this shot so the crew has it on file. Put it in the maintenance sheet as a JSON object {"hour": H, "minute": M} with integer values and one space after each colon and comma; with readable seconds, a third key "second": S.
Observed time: {"hour": 6, "minute": 35}
